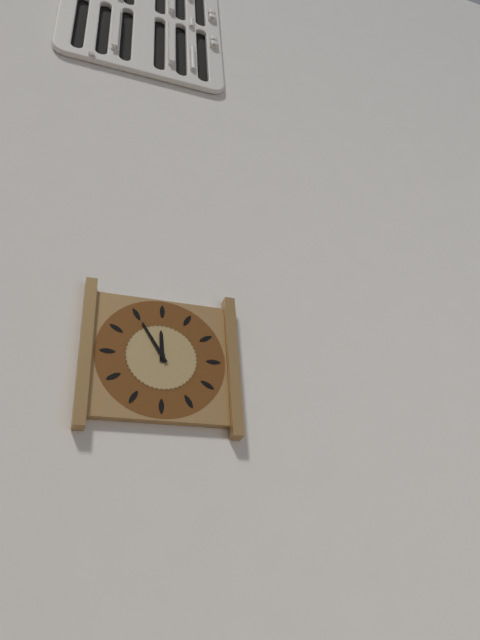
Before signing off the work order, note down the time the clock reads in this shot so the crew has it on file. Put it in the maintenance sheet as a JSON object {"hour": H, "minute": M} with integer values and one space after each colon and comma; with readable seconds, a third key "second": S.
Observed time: {"hour": 11, "minute": 55}
